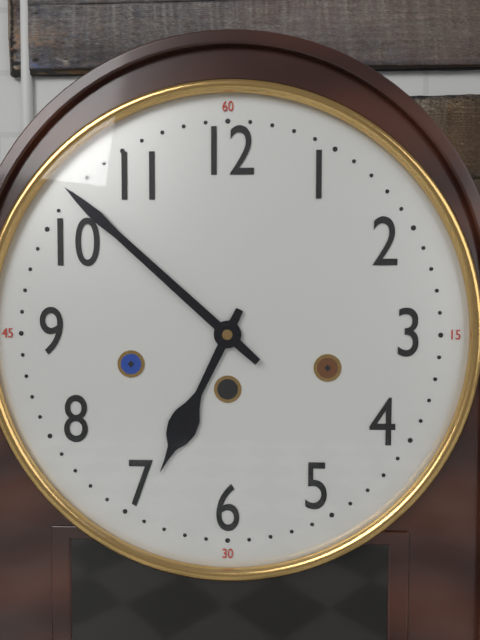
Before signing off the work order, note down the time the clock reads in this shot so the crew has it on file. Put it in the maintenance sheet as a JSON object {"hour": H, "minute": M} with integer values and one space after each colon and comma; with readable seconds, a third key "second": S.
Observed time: {"hour": 6, "minute": 52}
